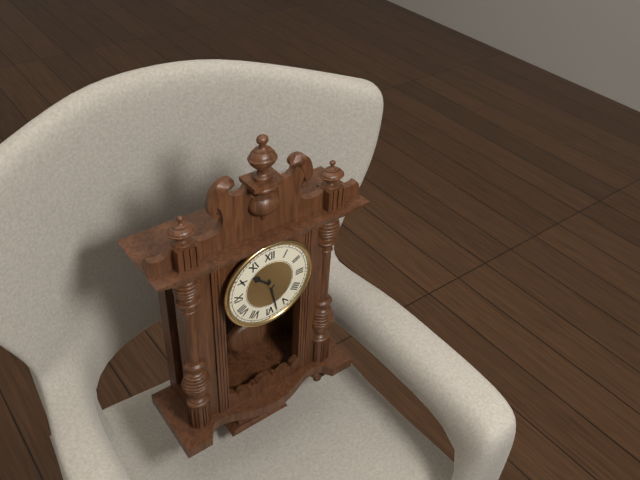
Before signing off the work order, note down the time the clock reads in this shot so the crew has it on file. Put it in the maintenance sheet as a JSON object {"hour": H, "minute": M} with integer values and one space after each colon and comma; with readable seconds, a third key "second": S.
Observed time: {"hour": 10, "minute": 28}
